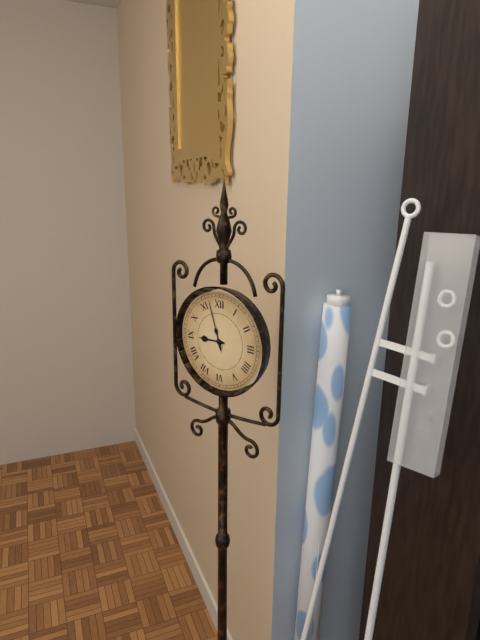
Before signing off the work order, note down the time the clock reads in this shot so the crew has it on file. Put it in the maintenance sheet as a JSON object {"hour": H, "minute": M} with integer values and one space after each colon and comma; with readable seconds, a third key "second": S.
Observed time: {"hour": 8, "minute": 57}
